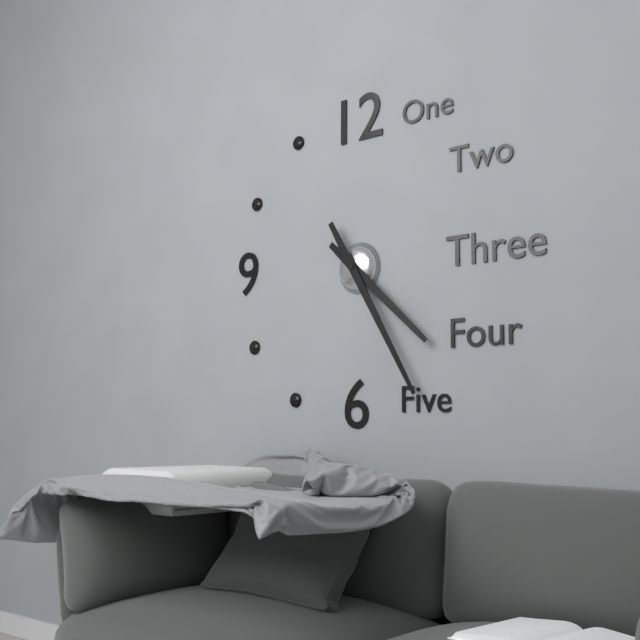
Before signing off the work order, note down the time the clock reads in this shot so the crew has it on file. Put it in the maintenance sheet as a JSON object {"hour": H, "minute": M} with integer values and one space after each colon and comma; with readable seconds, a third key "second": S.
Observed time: {"hour": 4, "minute": 25}
